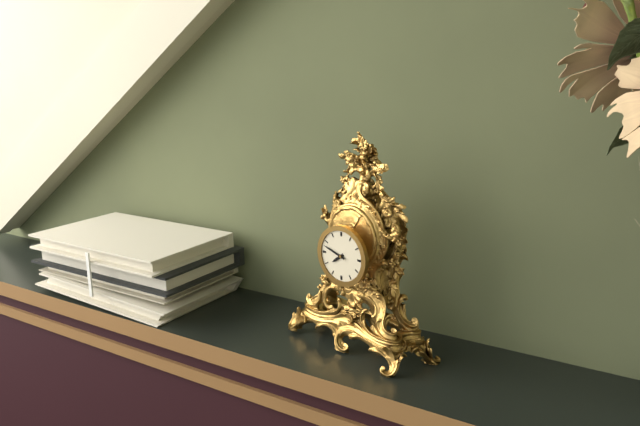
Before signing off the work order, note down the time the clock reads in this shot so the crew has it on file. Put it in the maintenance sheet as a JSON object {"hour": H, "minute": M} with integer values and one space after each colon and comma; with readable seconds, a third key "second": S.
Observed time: {"hour": 7, "minute": 48}
